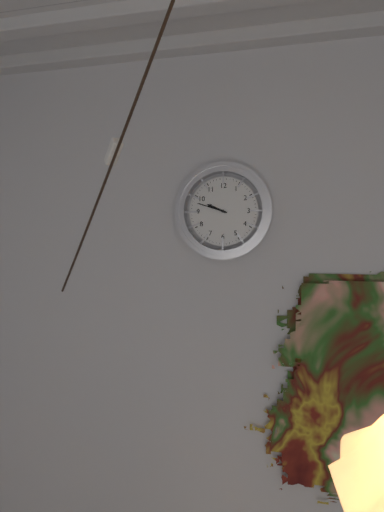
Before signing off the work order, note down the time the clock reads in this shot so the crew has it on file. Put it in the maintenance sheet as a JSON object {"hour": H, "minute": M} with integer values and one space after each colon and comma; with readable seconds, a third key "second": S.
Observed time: {"hour": 9, "minute": 48}
